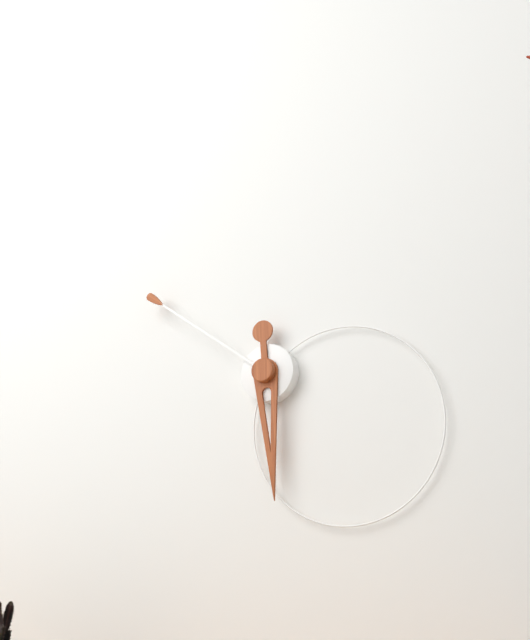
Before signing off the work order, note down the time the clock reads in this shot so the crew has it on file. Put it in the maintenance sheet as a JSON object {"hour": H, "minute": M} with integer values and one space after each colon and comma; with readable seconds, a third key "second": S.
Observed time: {"hour": 5, "minute": 51}
